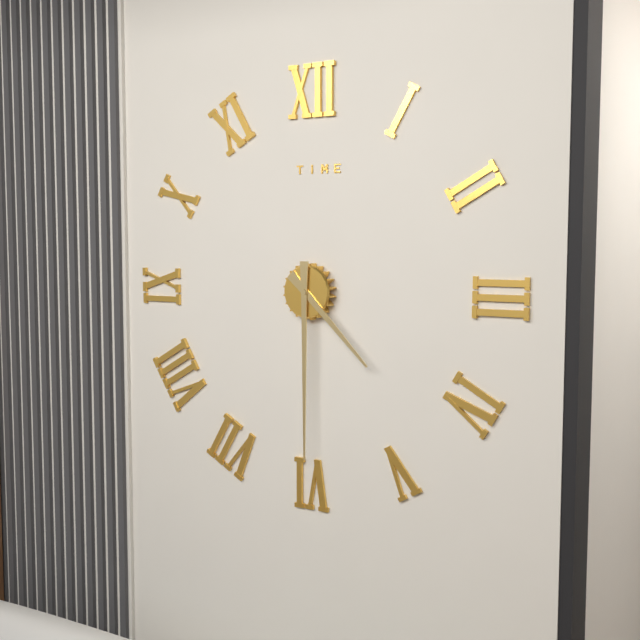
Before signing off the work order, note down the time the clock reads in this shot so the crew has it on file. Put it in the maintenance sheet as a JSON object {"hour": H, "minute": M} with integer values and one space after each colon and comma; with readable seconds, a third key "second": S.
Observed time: {"hour": 4, "minute": 30}
